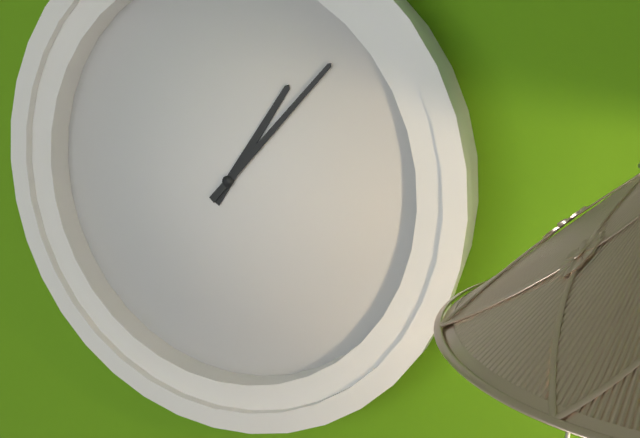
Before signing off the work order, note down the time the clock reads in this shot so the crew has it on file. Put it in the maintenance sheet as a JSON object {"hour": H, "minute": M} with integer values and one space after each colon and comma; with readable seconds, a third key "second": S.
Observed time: {"hour": 1, "minute": 7}
